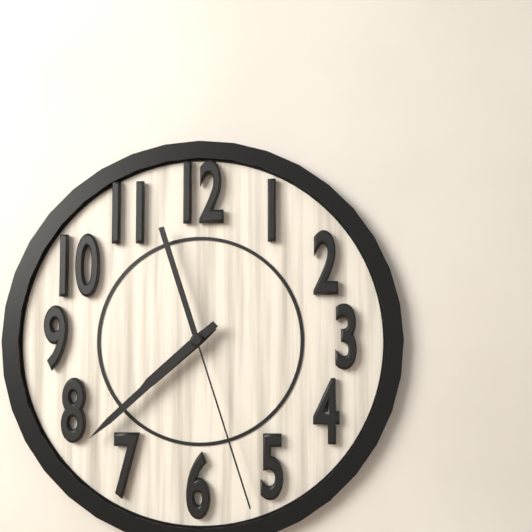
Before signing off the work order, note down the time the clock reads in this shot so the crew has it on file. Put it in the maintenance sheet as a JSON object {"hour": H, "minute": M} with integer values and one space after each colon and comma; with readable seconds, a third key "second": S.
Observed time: {"hour": 7, "minute": 38, "second": 27}
